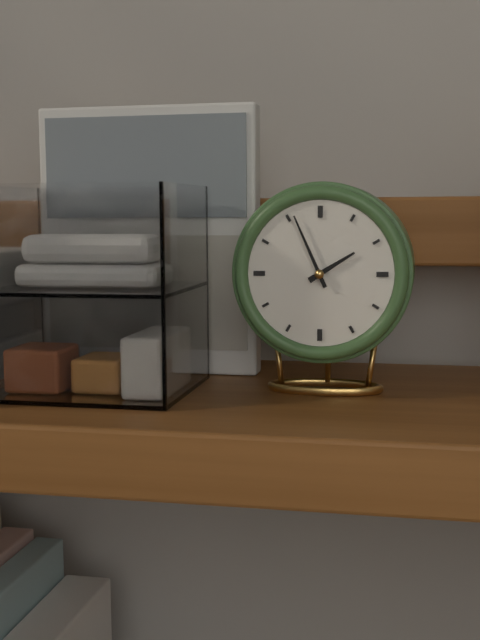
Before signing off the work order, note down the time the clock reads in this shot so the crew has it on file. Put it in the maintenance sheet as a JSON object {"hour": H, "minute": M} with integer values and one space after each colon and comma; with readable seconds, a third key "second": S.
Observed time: {"hour": 1, "minute": 56}
